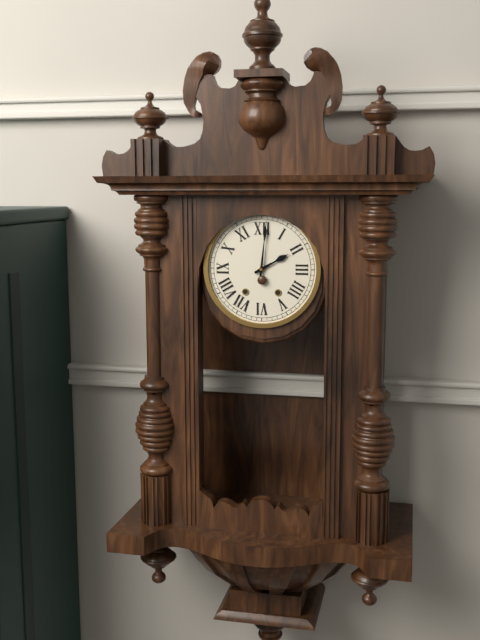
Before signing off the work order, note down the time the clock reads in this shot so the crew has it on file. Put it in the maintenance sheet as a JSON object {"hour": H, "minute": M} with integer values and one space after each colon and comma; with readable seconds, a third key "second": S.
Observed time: {"hour": 2, "minute": 1}
